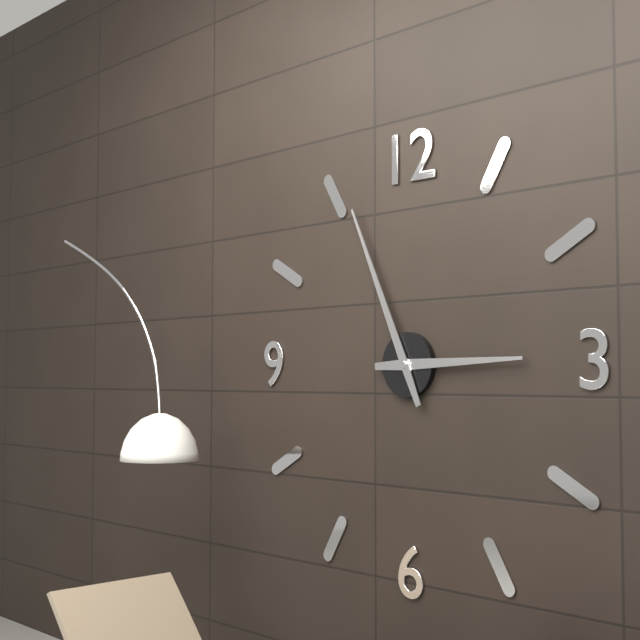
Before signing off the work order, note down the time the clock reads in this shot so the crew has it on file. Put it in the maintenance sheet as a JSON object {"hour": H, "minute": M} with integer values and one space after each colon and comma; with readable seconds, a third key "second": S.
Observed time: {"hour": 2, "minute": 56}
